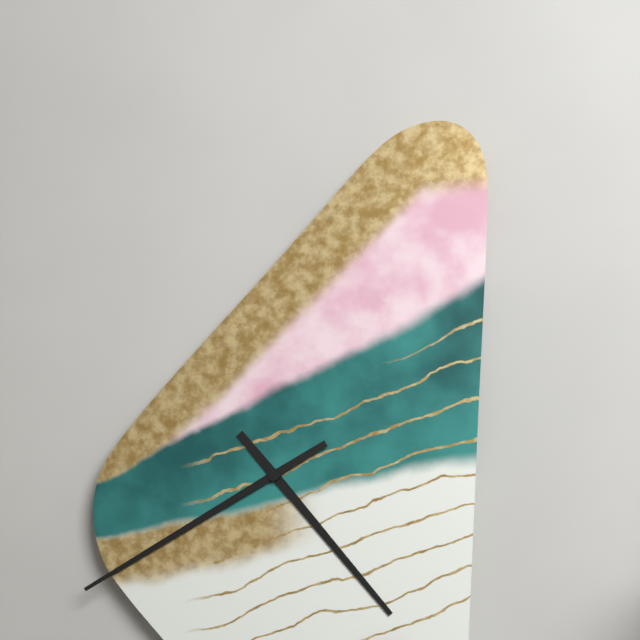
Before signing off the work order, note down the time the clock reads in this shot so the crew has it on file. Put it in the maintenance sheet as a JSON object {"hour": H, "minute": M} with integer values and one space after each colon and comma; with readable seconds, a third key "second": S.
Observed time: {"hour": 4, "minute": 40}
